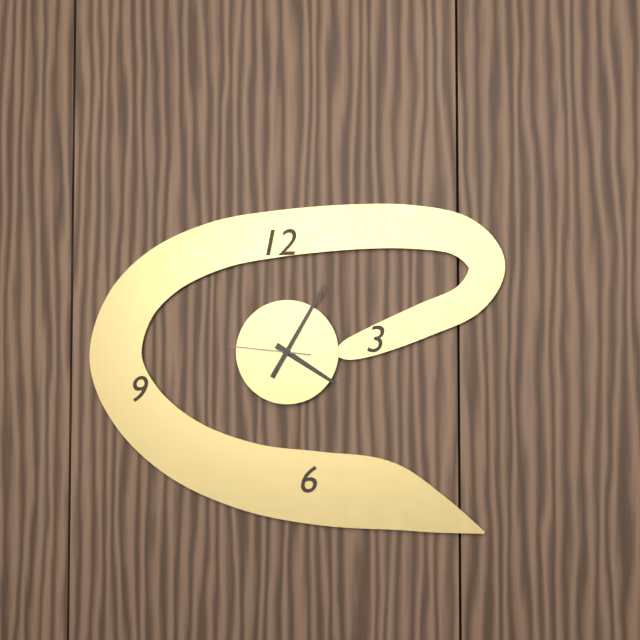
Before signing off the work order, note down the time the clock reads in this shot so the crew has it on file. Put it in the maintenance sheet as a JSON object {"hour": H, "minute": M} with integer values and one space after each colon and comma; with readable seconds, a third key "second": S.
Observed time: {"hour": 4, "minute": 5, "second": 46}
